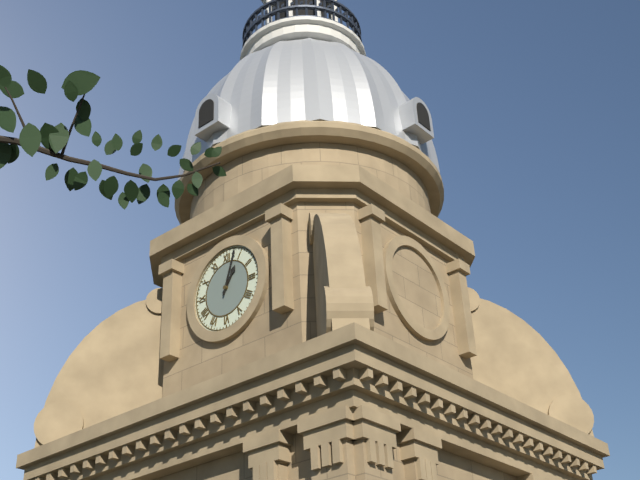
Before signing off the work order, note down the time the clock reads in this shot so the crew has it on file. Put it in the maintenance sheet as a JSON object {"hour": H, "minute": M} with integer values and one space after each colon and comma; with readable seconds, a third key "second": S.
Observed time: {"hour": 1, "minute": 3}
